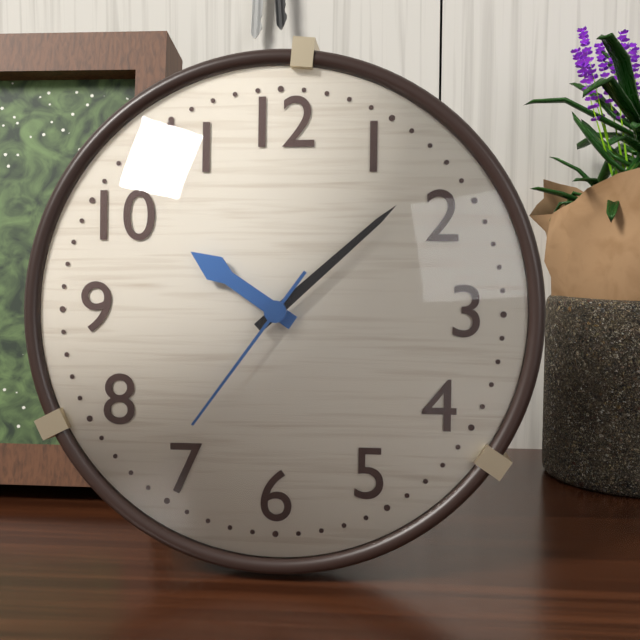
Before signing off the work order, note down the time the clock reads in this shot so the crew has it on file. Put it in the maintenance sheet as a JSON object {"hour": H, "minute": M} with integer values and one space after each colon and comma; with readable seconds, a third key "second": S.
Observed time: {"hour": 10, "minute": 8, "second": 36}
